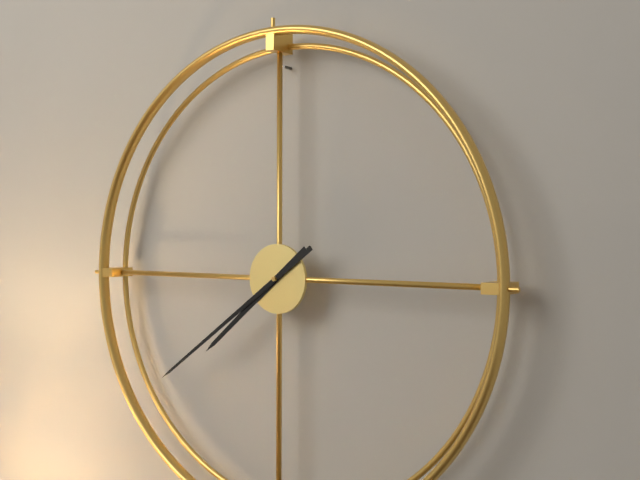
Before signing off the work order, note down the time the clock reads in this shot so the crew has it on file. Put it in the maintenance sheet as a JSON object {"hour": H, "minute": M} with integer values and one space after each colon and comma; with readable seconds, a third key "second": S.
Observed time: {"hour": 7, "minute": 39}
